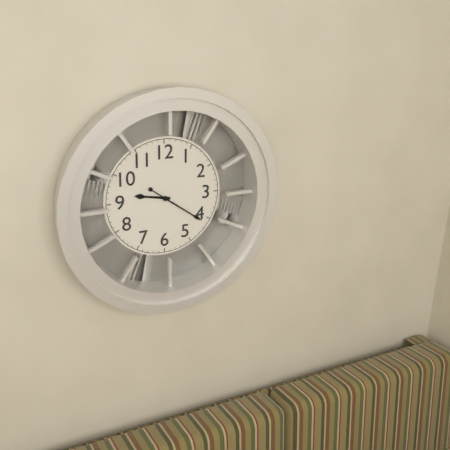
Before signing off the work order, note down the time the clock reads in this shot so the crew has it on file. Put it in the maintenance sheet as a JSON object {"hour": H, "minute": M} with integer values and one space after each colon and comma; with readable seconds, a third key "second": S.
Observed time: {"hour": 9, "minute": 21}
